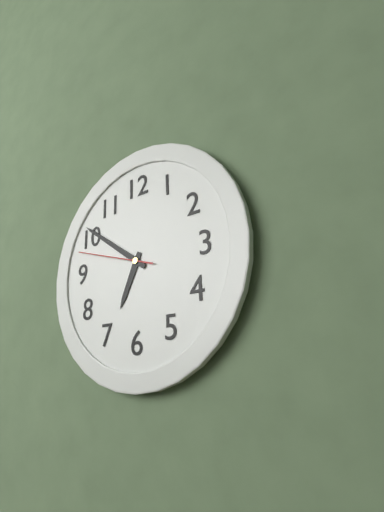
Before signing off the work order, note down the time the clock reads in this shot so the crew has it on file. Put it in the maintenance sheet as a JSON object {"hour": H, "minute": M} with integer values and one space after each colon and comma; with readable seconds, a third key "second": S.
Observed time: {"hour": 6, "minute": 51, "second": 48}
